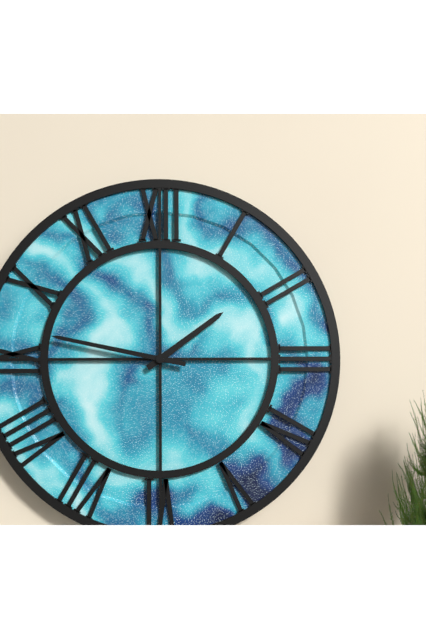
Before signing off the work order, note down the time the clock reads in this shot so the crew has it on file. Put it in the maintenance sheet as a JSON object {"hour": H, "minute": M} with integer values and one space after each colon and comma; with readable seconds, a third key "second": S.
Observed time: {"hour": 1, "minute": 47}
